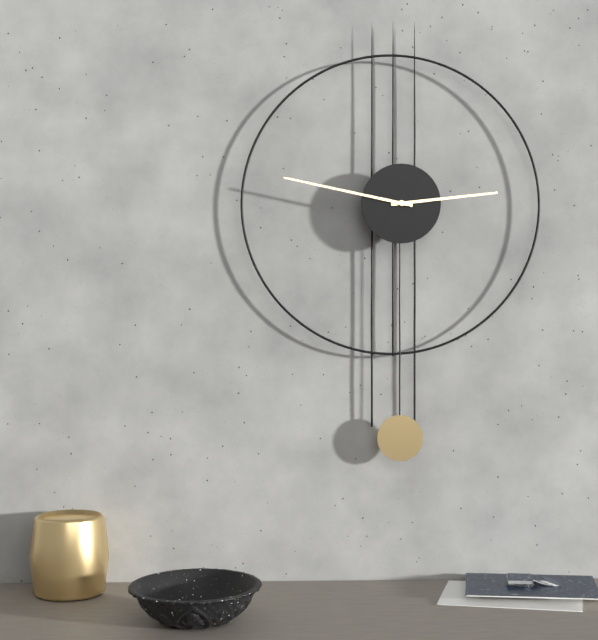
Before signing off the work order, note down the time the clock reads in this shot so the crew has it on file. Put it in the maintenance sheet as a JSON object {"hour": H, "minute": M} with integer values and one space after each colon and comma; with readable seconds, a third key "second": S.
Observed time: {"hour": 2, "minute": 47}
